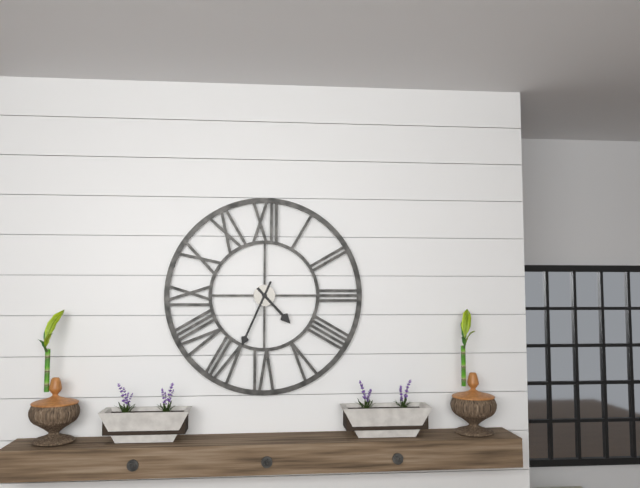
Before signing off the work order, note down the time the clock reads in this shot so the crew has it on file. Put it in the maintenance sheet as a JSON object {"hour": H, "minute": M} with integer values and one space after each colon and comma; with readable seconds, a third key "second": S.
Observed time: {"hour": 4, "minute": 34}
